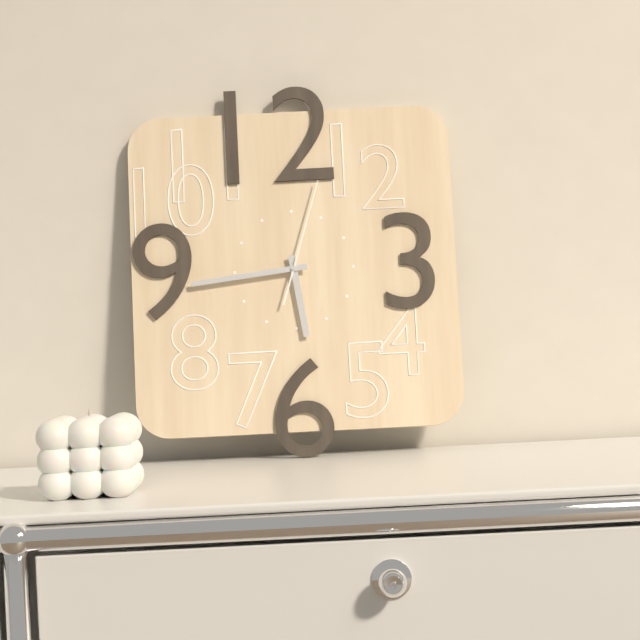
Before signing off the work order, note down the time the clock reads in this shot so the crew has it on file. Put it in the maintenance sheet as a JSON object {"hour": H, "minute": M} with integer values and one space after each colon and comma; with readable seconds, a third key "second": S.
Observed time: {"hour": 5, "minute": 44, "second": 3}
